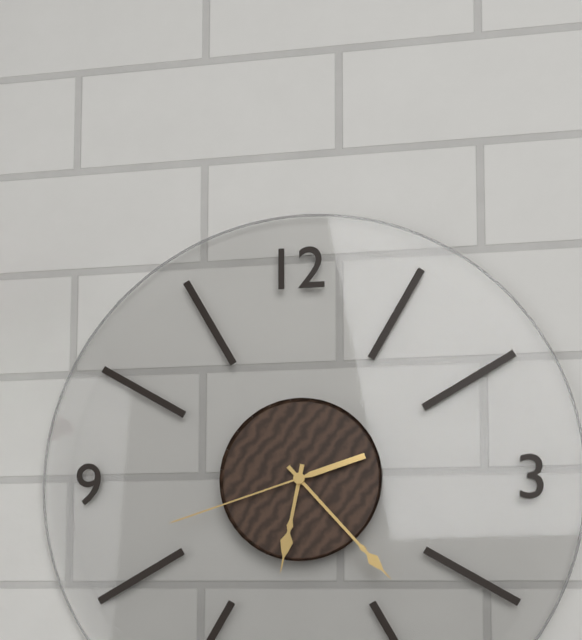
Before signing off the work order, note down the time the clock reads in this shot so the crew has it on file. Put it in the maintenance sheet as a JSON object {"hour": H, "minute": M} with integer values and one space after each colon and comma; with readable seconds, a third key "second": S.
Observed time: {"hour": 6, "minute": 23, "second": 42}
